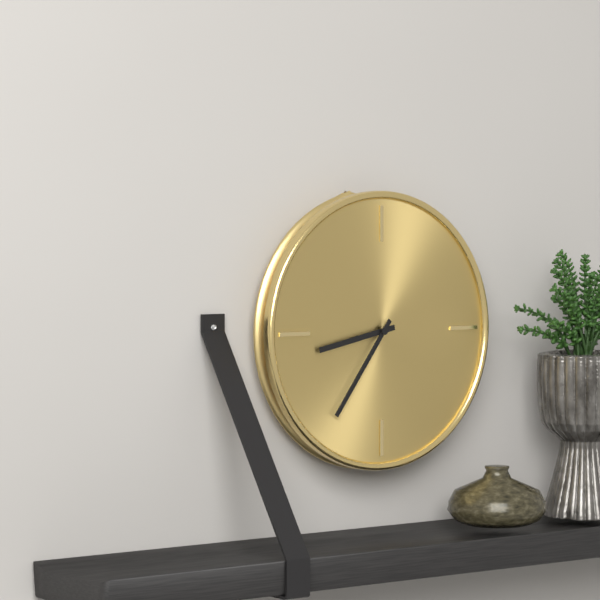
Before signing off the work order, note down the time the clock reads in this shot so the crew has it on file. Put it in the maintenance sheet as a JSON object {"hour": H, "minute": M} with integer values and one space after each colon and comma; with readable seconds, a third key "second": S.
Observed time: {"hour": 8, "minute": 36}
